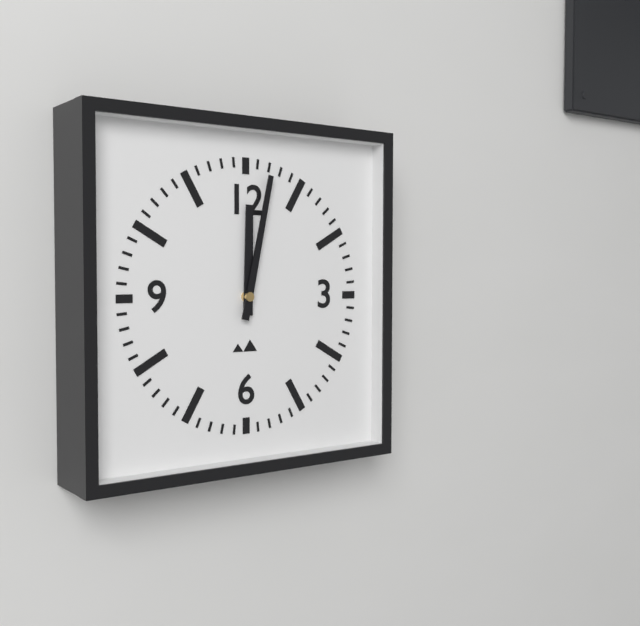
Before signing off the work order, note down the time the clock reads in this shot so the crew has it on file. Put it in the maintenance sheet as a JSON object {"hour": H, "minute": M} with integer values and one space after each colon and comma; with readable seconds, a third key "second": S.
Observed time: {"hour": 12, "minute": 2}
